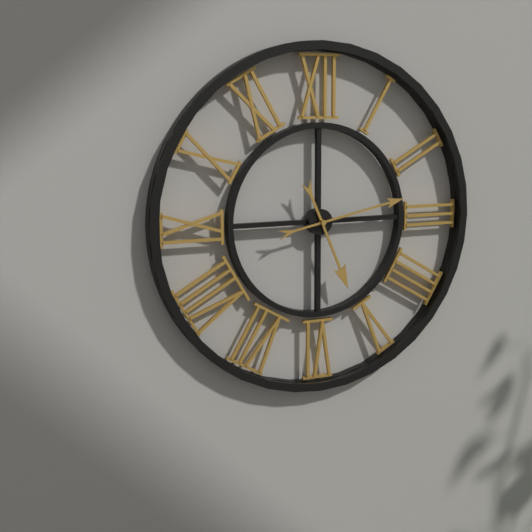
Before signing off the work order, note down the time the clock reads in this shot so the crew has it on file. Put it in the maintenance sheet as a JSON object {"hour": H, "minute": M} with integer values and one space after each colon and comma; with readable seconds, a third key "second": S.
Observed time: {"hour": 5, "minute": 13}
